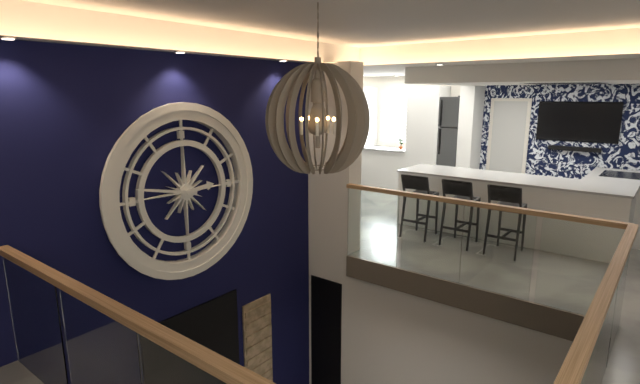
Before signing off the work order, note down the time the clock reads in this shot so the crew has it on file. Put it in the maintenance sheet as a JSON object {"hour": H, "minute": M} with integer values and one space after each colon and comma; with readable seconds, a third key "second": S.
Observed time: {"hour": 2, "minute": 47}
